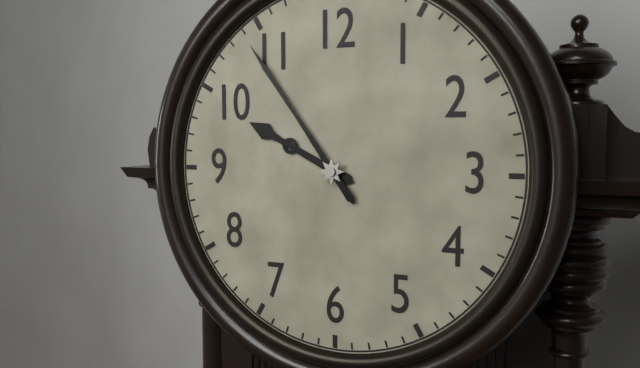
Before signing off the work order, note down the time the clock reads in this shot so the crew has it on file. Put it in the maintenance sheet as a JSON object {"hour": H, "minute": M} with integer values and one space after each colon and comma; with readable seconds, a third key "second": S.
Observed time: {"hour": 9, "minute": 54}
